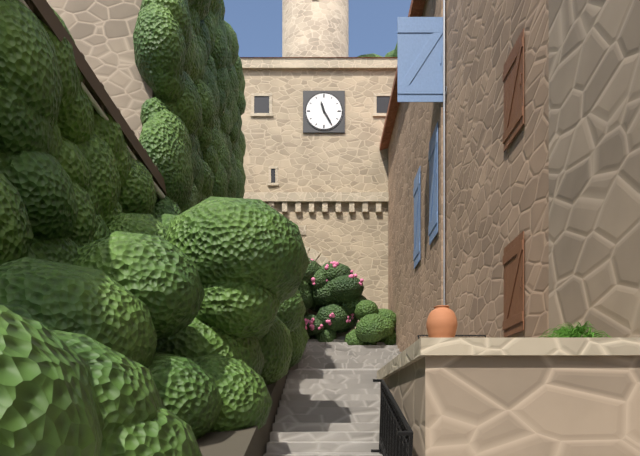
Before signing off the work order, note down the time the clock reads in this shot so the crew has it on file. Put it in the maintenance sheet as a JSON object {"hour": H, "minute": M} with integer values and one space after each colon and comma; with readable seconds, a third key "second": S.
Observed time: {"hour": 11, "minute": 25}
